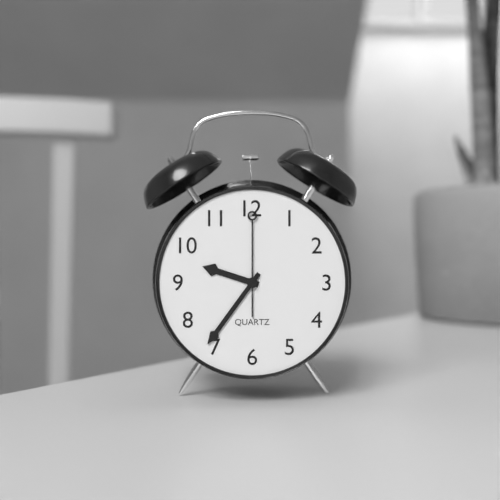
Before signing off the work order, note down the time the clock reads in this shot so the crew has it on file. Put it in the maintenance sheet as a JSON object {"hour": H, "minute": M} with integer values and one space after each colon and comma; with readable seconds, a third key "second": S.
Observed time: {"hour": 9, "minute": 36, "second": 0}
